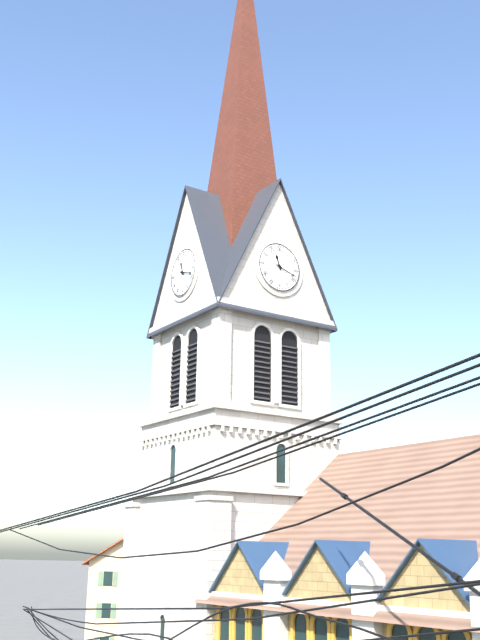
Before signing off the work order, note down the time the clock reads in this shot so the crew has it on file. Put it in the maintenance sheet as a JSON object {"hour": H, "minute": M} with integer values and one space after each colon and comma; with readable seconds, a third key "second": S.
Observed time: {"hour": 11, "minute": 18}
